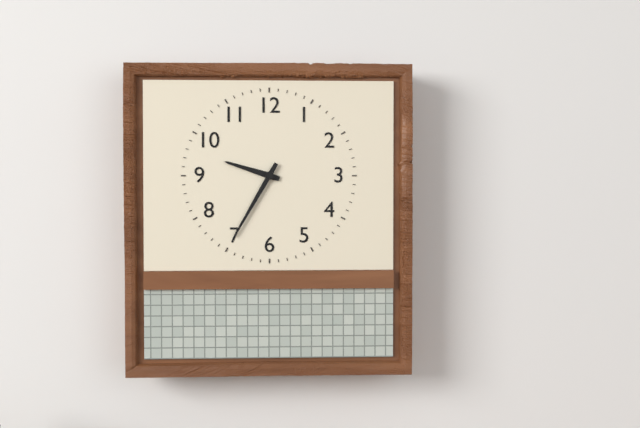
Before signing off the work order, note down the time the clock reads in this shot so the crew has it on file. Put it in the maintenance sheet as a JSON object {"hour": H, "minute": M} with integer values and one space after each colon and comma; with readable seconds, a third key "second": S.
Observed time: {"hour": 9, "minute": 35}
